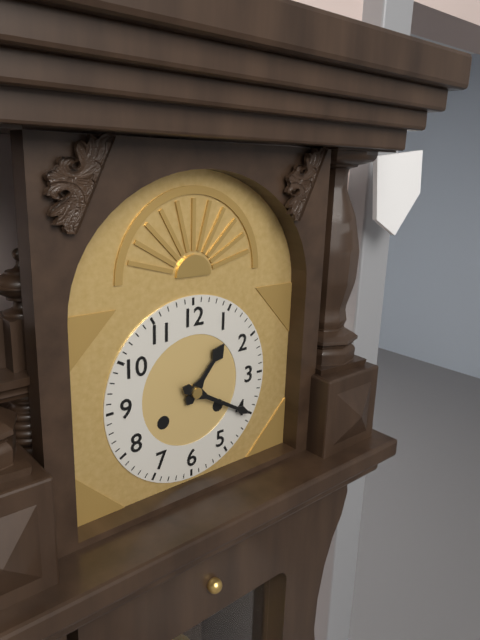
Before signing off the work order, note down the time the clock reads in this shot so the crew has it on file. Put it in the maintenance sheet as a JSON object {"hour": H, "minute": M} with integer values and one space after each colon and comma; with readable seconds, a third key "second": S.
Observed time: {"hour": 1, "minute": 20}
